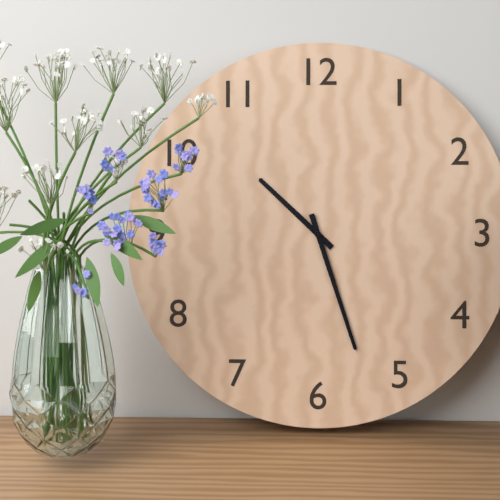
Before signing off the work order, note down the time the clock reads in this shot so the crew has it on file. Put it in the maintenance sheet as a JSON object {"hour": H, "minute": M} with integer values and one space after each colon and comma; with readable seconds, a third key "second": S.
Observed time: {"hour": 10, "minute": 27}
